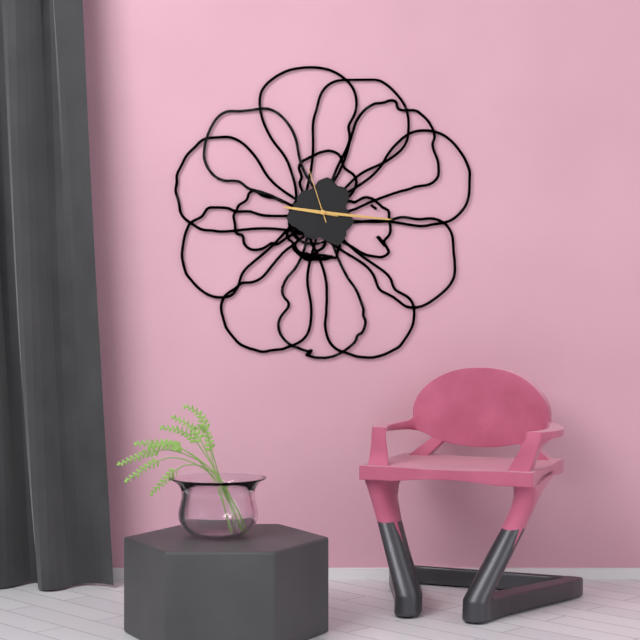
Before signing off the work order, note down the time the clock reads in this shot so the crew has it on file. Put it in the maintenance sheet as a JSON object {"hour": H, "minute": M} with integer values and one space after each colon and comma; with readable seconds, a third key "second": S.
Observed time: {"hour": 9, "minute": 16, "second": 57}
